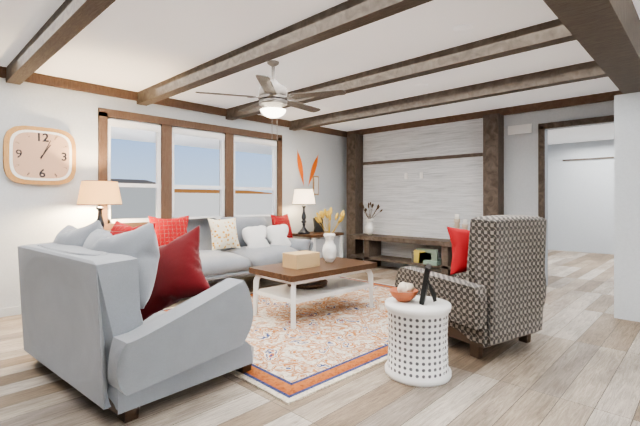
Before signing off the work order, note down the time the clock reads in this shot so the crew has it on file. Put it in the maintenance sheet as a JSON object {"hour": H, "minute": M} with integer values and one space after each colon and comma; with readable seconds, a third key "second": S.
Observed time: {"hour": 1, "minute": 4}
